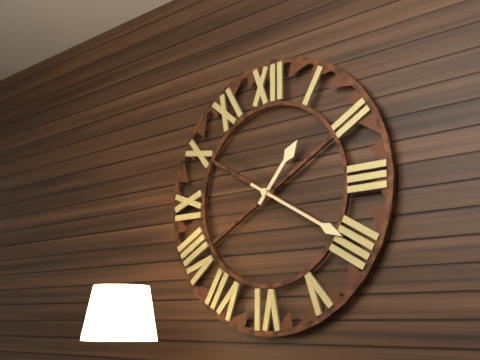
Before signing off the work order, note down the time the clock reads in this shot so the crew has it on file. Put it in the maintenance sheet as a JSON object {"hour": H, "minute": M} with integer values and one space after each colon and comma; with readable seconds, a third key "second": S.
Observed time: {"hour": 1, "minute": 20}
